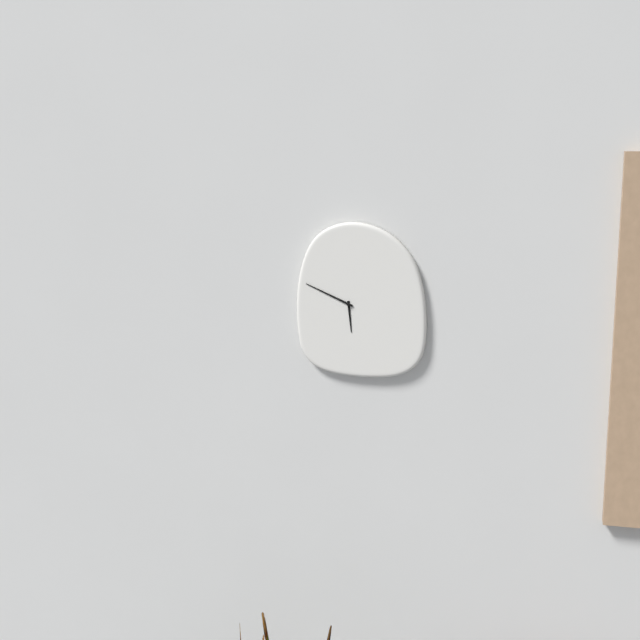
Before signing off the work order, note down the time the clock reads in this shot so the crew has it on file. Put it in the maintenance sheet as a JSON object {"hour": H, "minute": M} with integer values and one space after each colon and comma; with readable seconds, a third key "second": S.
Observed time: {"hour": 5, "minute": 49}
